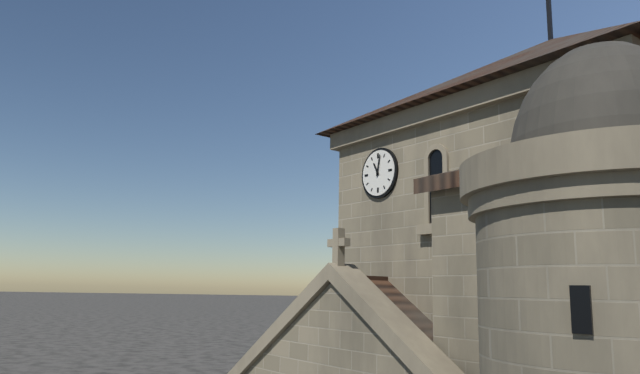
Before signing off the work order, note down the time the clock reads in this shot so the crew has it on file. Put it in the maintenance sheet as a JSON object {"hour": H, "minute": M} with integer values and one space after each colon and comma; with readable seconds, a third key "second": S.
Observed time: {"hour": 11, "minute": 2}
